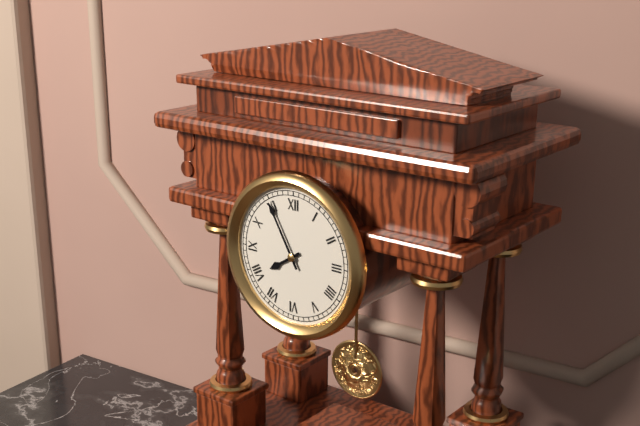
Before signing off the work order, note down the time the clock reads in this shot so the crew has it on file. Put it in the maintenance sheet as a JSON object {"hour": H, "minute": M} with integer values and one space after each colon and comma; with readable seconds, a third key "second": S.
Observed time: {"hour": 7, "minute": 55}
